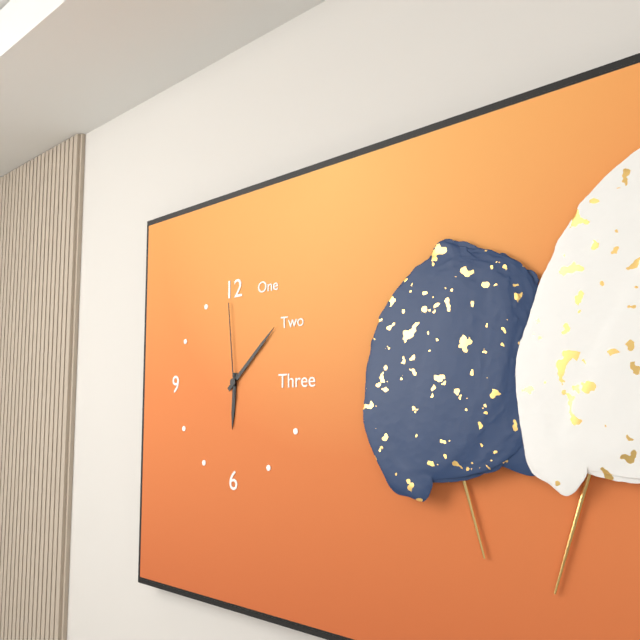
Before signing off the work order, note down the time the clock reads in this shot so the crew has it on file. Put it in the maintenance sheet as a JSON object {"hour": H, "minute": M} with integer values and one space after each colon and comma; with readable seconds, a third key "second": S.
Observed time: {"hour": 6, "minute": 8, "second": 59}
